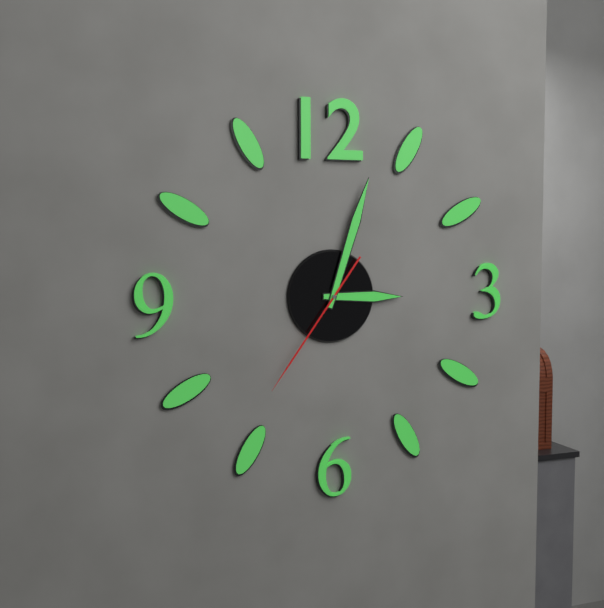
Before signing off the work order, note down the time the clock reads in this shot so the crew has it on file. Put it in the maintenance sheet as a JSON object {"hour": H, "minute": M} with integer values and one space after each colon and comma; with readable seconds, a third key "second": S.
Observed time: {"hour": 3, "minute": 3, "second": 36}
